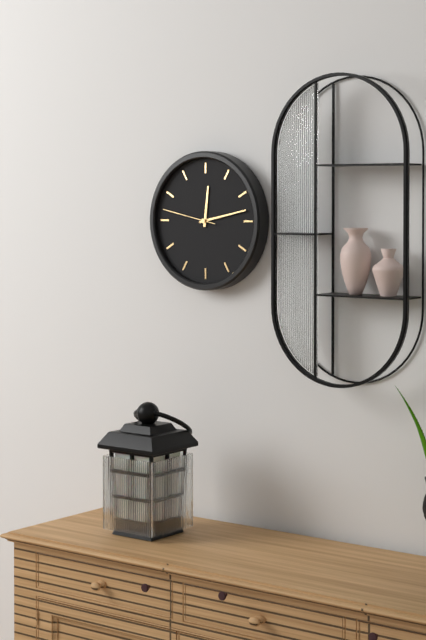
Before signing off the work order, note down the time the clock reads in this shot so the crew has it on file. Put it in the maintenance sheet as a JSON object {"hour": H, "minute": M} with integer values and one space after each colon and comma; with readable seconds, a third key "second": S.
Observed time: {"hour": 12, "minute": 13, "second": 47}
